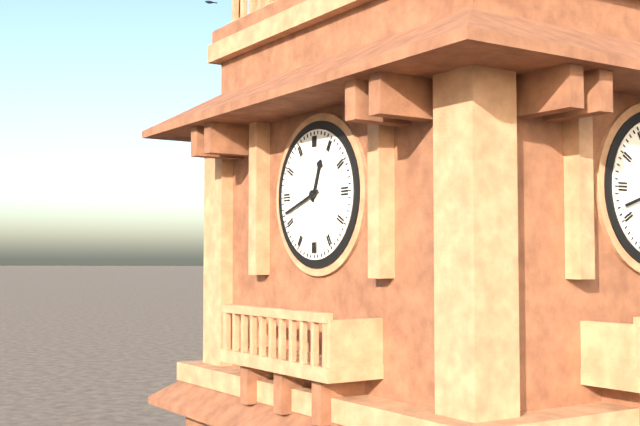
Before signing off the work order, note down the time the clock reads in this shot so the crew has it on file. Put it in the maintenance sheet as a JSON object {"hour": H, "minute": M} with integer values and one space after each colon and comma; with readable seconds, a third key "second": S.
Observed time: {"hour": 12, "minute": 42}
